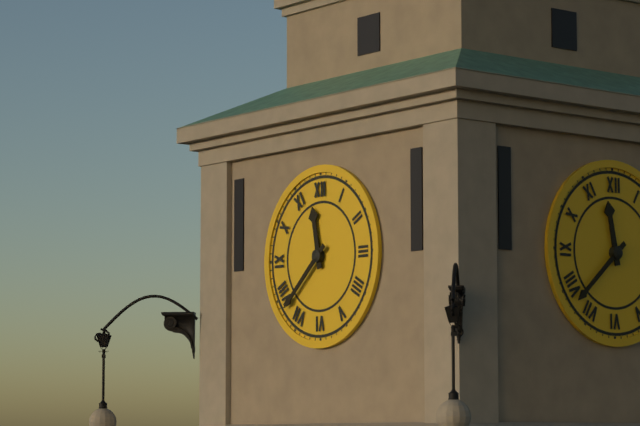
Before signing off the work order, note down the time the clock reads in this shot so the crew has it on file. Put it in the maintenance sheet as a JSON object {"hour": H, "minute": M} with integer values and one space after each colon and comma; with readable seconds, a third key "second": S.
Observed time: {"hour": 11, "minute": 38}
